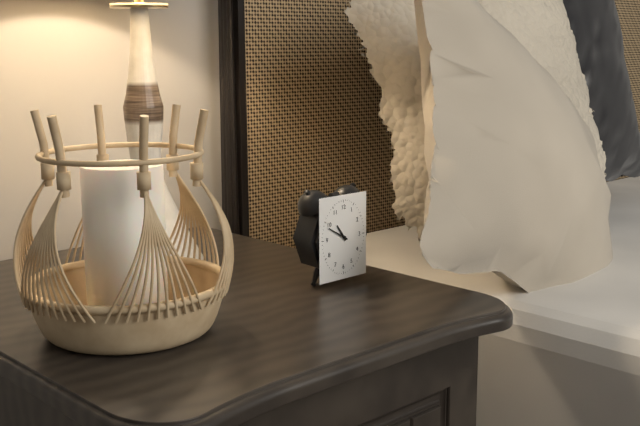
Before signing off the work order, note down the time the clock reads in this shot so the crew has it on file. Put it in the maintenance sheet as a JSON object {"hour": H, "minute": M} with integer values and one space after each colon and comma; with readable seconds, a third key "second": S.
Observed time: {"hour": 10, "minute": 50}
